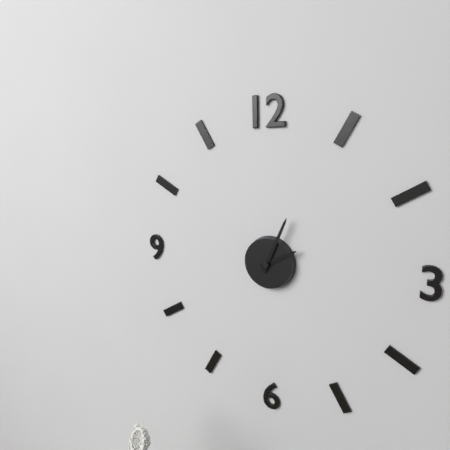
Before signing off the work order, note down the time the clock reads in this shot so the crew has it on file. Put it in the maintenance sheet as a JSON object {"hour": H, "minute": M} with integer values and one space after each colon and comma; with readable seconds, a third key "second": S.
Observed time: {"hour": 2, "minute": 4}
